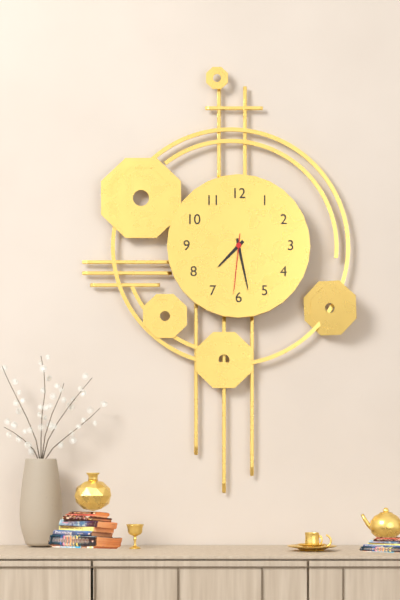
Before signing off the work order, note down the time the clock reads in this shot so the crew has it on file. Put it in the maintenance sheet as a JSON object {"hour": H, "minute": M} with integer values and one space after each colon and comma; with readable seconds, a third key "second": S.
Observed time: {"hour": 7, "minute": 28, "second": 31}
